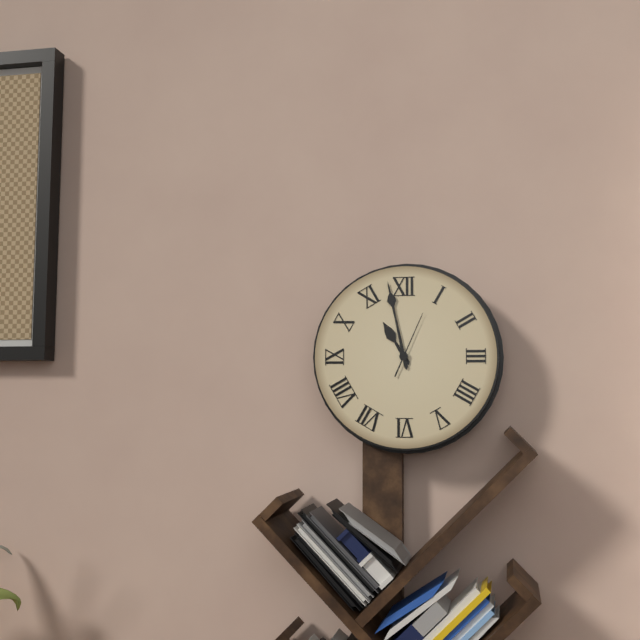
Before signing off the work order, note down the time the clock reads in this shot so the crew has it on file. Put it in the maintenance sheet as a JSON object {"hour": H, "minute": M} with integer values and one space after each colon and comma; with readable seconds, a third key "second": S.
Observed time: {"hour": 10, "minute": 58, "second": 4}
